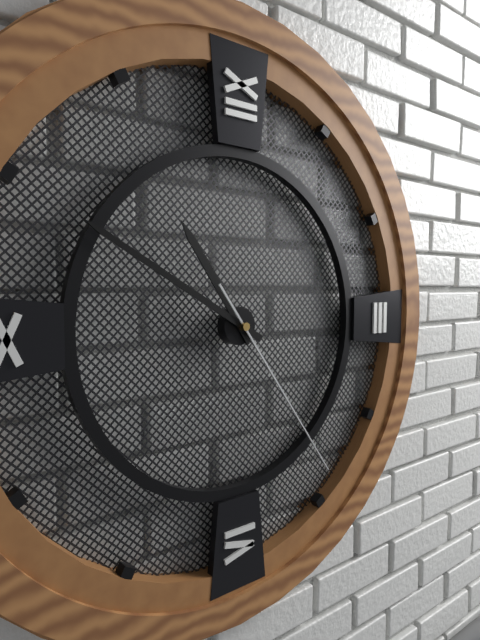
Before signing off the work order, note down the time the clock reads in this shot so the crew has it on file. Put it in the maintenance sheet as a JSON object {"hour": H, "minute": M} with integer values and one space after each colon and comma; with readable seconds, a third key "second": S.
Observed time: {"hour": 10, "minute": 50, "second": 24}
